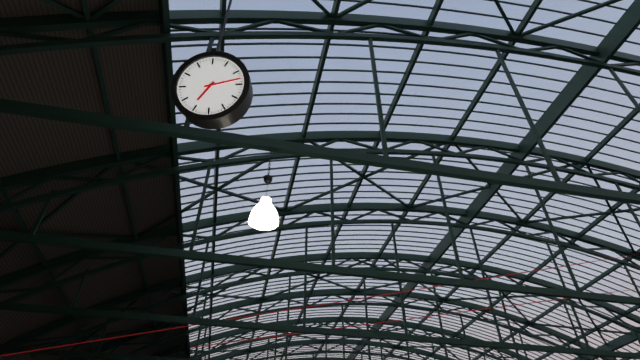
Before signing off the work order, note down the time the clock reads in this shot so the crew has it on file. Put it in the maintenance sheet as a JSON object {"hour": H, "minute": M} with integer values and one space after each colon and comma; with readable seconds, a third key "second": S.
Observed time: {"hour": 7, "minute": 13}
